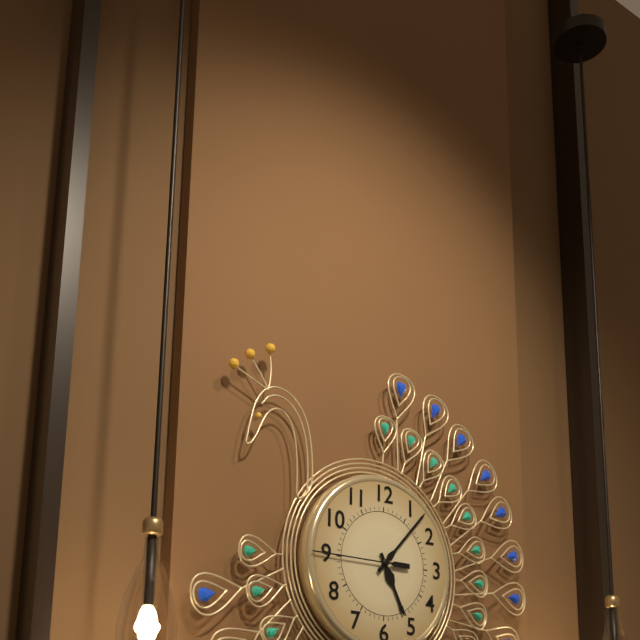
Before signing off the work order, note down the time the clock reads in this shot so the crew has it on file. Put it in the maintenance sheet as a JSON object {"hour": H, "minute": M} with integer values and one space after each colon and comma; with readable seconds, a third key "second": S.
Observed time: {"hour": 5, "minute": 7, "second": 45}
